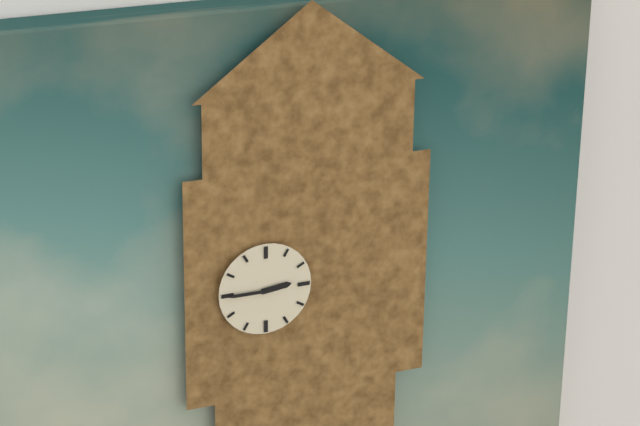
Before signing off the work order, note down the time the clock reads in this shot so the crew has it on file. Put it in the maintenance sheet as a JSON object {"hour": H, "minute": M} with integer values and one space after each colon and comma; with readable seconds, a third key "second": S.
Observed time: {"hour": 2, "minute": 45}
